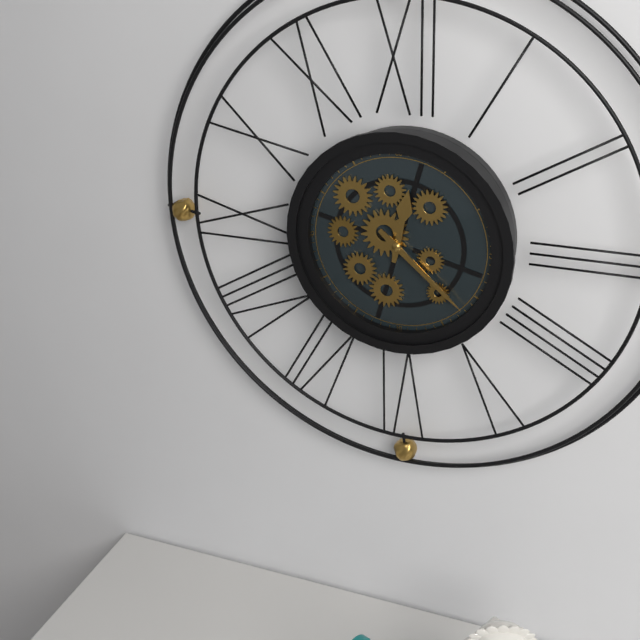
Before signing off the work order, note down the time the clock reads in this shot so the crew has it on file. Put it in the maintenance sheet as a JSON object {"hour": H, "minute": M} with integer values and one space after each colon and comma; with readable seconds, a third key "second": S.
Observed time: {"hour": 12, "minute": 22}
